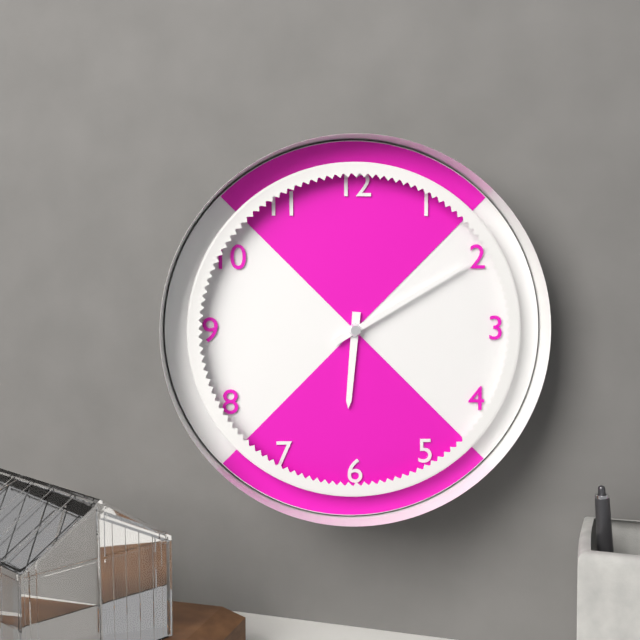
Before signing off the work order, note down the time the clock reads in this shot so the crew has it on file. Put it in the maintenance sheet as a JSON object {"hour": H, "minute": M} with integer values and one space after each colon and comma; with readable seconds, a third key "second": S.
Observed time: {"hour": 6, "minute": 10}
